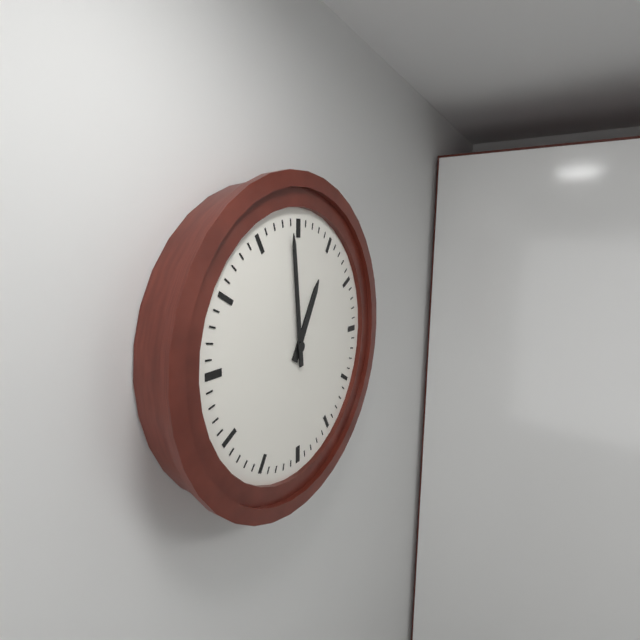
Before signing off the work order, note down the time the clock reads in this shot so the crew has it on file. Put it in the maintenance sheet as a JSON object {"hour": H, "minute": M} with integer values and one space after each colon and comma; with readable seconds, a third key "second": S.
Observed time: {"hour": 12, "minute": 59}
